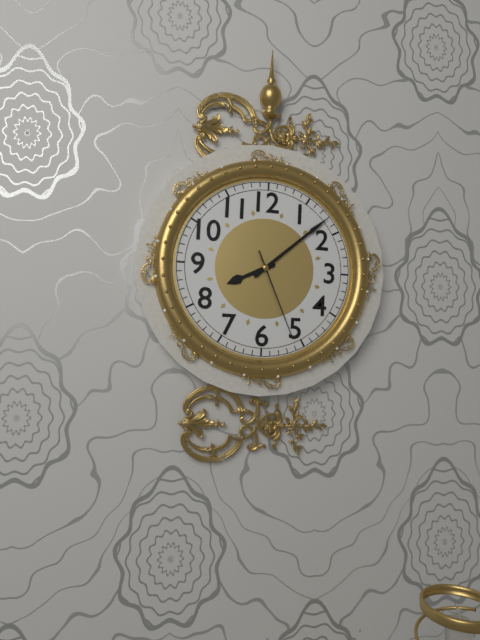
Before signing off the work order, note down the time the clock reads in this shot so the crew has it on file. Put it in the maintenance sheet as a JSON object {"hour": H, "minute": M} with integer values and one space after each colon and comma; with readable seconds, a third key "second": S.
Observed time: {"hour": 8, "minute": 8, "second": 26}
